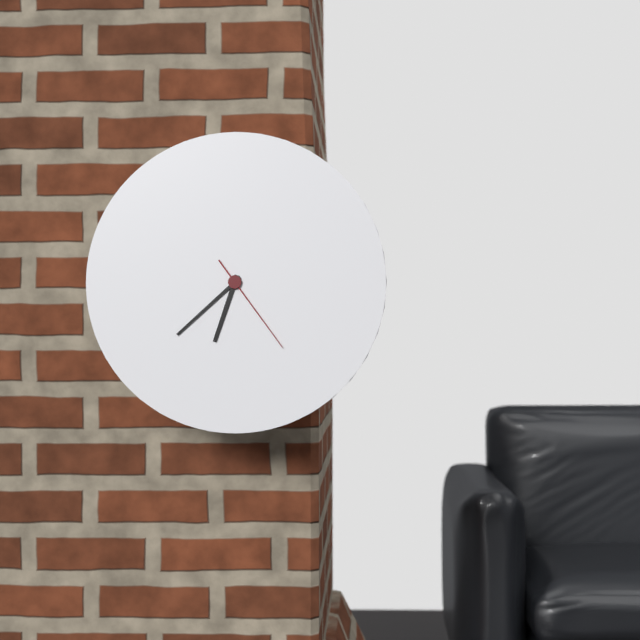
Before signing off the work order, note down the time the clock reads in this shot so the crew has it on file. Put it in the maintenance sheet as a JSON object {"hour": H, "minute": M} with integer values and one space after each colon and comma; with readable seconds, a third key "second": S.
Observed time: {"hour": 6, "minute": 38, "second": 24}
